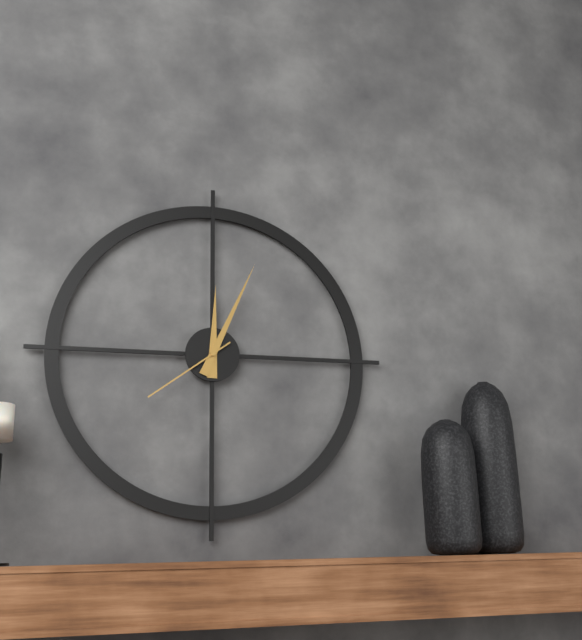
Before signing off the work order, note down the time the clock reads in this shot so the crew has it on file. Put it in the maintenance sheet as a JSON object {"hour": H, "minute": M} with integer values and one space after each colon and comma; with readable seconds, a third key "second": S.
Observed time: {"hour": 12, "minute": 4, "second": 39}
